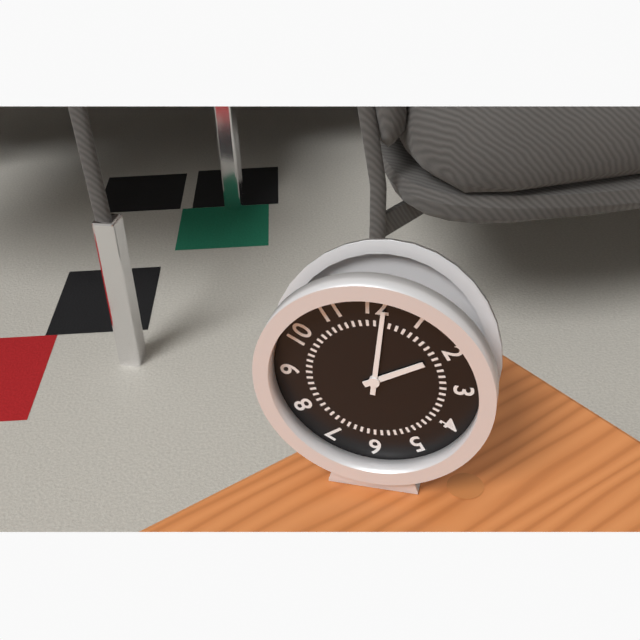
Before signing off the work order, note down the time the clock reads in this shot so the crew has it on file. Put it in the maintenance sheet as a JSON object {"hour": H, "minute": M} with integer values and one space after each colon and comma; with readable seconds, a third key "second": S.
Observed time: {"hour": 2, "minute": 1}
